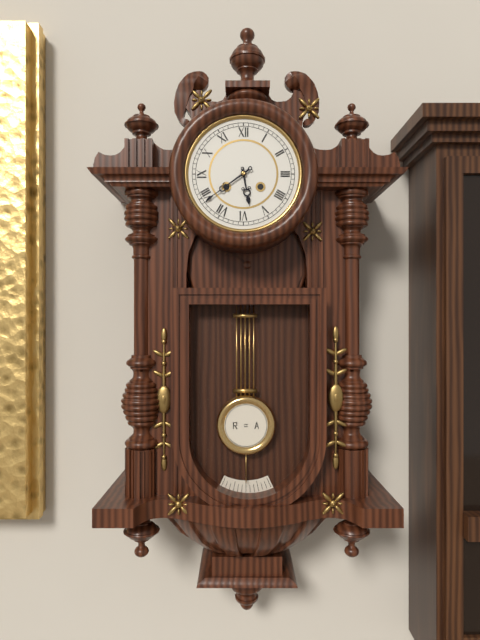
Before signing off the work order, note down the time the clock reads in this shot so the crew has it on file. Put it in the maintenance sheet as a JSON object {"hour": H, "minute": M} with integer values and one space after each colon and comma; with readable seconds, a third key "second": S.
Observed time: {"hour": 5, "minute": 39}
